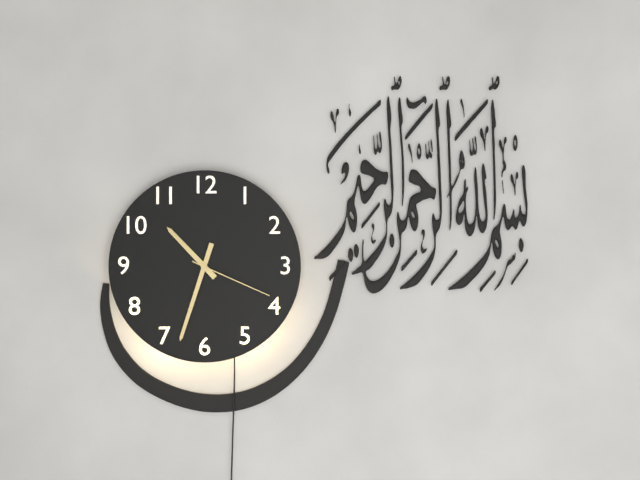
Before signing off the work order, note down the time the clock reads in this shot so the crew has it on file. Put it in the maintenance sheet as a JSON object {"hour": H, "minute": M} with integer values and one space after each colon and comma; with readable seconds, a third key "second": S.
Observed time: {"hour": 10, "minute": 33, "second": 19}
